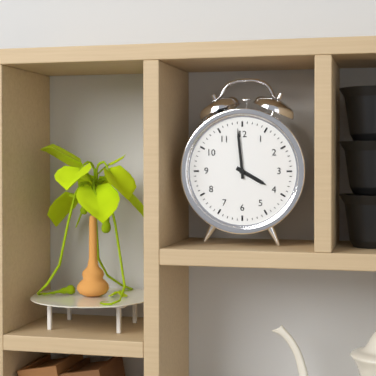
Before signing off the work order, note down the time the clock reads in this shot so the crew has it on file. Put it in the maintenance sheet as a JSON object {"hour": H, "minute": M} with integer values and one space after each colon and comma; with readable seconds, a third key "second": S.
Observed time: {"hour": 3, "minute": 59}
